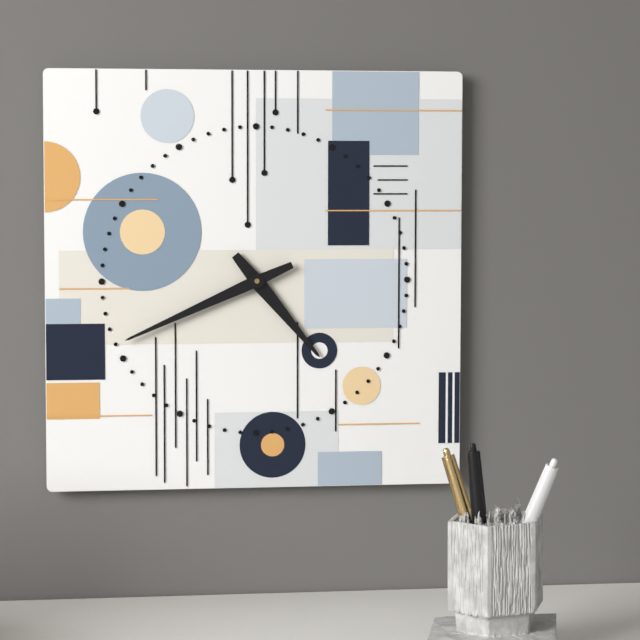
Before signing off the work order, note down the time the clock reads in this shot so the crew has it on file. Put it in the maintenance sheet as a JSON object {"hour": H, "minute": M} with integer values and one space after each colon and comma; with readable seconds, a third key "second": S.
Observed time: {"hour": 4, "minute": 41}
